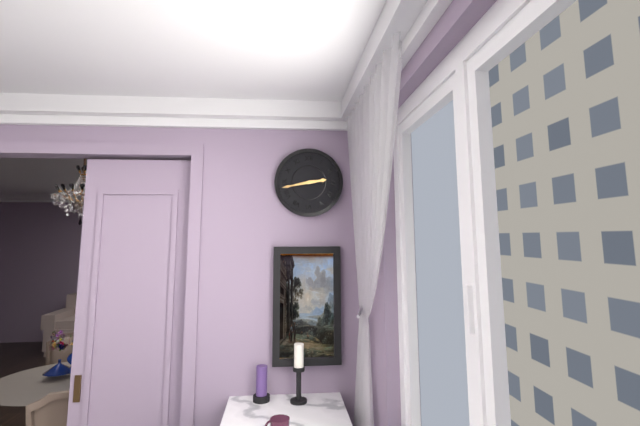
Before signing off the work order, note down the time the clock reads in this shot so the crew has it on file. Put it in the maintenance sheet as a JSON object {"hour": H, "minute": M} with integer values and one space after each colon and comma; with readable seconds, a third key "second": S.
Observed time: {"hour": 2, "minute": 43}
